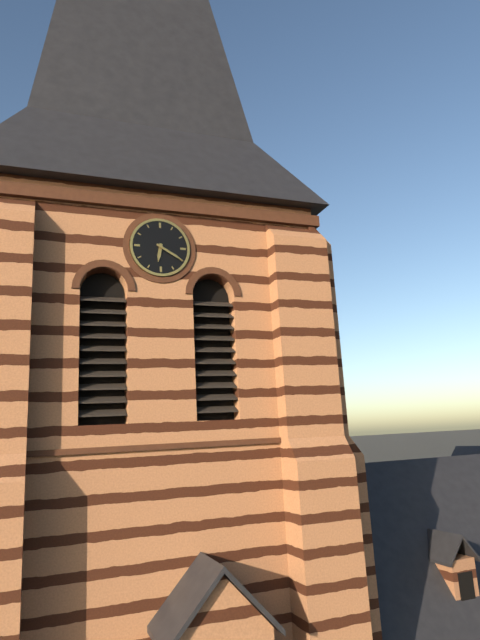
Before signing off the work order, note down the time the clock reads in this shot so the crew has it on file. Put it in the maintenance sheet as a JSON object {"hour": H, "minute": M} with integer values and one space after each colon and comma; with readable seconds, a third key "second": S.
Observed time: {"hour": 6, "minute": 20}
